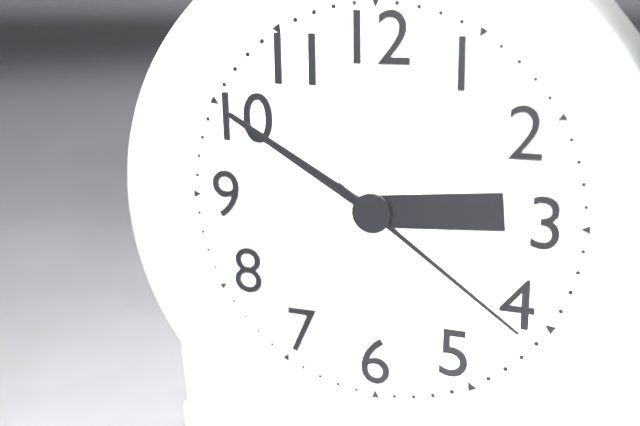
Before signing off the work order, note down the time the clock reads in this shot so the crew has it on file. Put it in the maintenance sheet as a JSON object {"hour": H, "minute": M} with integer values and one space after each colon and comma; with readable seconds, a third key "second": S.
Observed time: {"hour": 2, "minute": 50, "second": 21}
